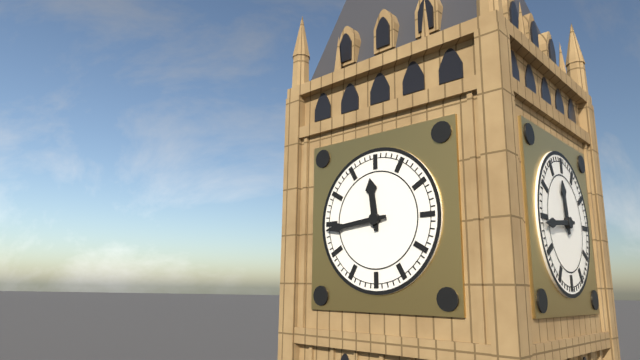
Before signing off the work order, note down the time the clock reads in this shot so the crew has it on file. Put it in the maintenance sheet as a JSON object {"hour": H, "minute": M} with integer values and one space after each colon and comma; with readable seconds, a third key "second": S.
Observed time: {"hour": 11, "minute": 44}
